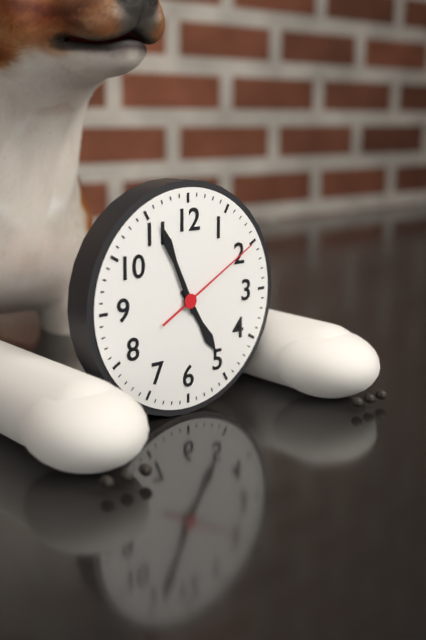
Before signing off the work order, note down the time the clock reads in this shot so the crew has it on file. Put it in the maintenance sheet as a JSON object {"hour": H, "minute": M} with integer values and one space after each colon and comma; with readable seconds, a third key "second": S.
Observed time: {"hour": 4, "minute": 56, "second": 10}
